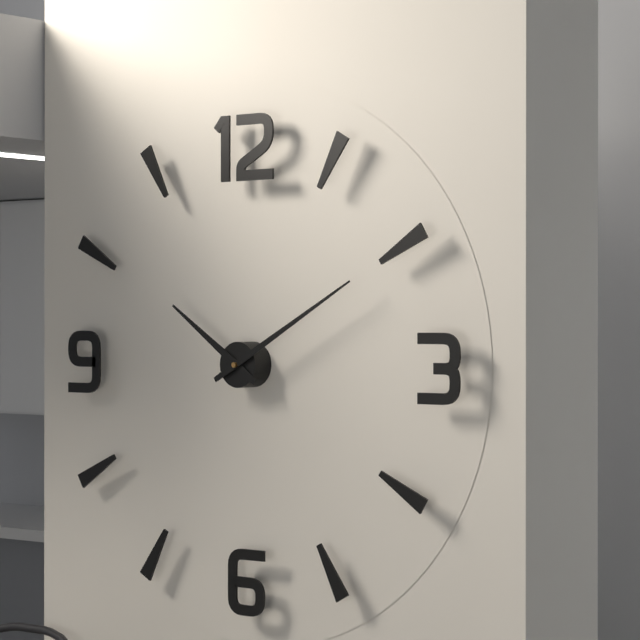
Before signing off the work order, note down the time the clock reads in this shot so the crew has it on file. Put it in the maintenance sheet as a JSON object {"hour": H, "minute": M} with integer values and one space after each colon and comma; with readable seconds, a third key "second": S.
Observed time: {"hour": 10, "minute": 10}
